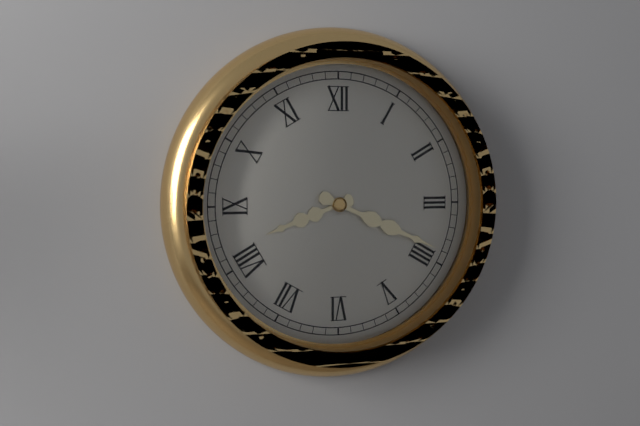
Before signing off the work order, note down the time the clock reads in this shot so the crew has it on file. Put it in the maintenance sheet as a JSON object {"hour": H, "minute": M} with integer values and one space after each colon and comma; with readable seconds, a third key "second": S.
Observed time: {"hour": 8, "minute": 19}
